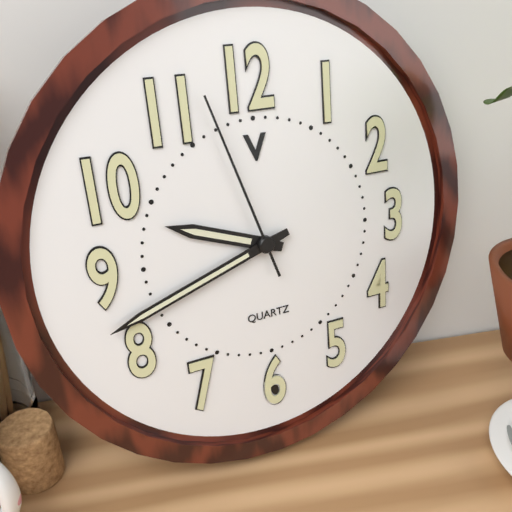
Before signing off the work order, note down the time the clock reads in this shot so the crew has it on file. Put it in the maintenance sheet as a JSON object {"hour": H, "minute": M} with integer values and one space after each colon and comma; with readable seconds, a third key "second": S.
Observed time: {"hour": 9, "minute": 42, "second": 57}
